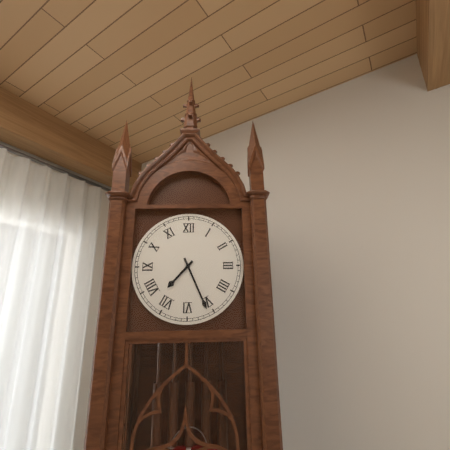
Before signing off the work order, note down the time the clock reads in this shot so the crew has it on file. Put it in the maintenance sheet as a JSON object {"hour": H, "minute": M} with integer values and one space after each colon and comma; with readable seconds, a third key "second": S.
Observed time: {"hour": 7, "minute": 26}
